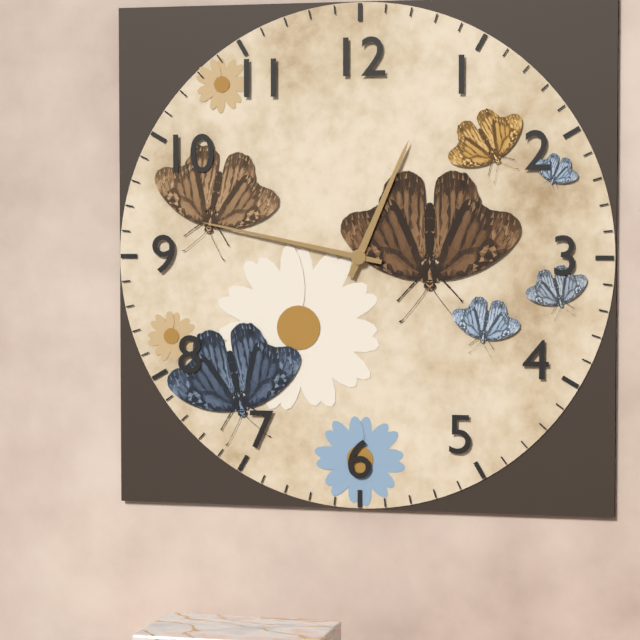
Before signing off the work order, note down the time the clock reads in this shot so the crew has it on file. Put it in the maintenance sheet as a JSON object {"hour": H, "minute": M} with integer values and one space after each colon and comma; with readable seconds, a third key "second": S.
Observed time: {"hour": 12, "minute": 47}
